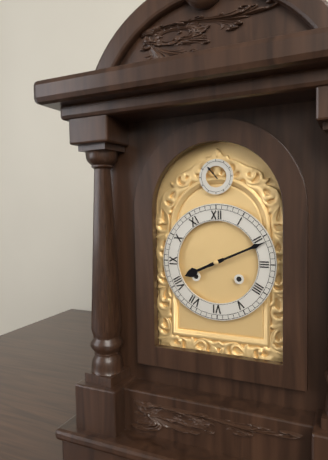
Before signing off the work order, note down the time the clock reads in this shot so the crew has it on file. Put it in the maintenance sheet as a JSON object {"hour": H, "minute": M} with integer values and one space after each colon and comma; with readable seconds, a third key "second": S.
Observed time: {"hour": 8, "minute": 11}
